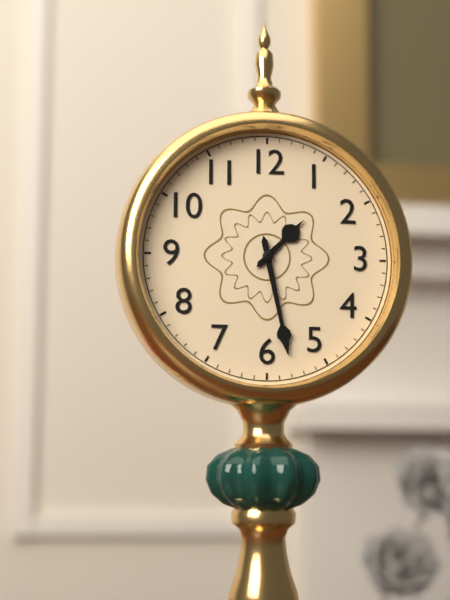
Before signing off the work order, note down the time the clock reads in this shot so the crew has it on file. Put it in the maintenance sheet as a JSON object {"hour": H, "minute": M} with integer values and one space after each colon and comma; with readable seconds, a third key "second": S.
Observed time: {"hour": 1, "minute": 28}
